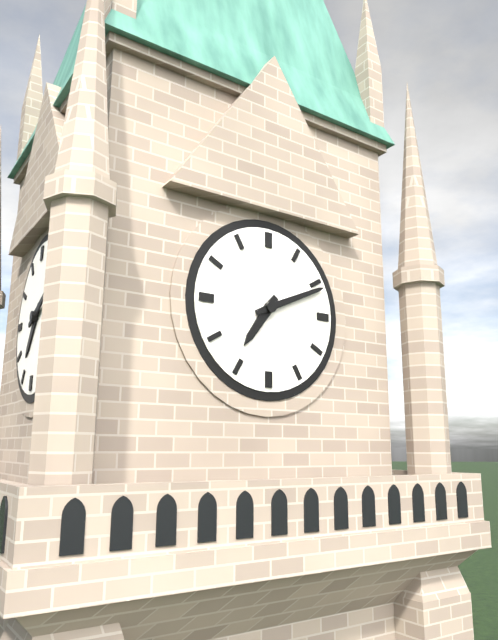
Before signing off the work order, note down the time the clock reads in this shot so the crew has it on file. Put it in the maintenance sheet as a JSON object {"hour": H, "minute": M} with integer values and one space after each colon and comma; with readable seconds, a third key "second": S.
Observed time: {"hour": 7, "minute": 11}
